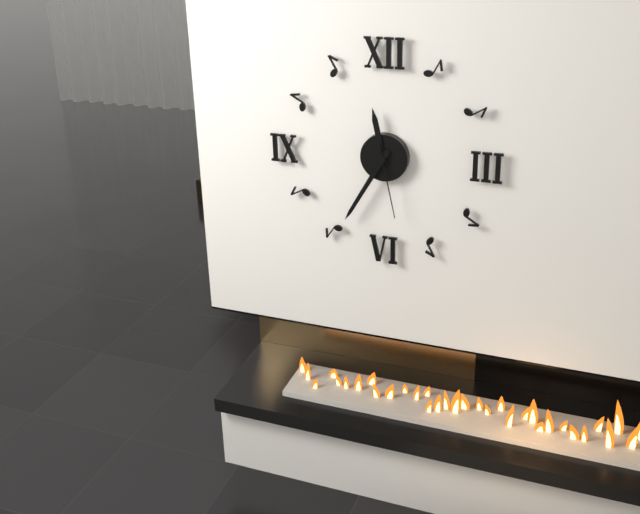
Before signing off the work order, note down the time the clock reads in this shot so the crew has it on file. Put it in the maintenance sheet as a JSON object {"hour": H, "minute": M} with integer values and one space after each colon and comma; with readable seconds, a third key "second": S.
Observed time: {"hour": 11, "minute": 35, "second": 28}
